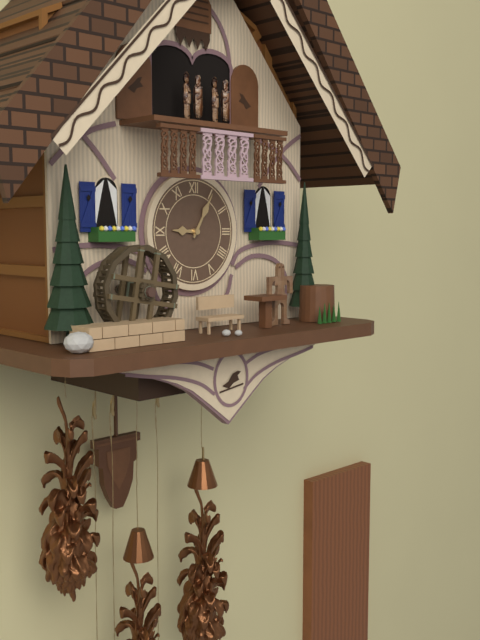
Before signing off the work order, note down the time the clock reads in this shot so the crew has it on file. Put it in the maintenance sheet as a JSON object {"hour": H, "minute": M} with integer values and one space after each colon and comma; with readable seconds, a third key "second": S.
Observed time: {"hour": 9, "minute": 5}
